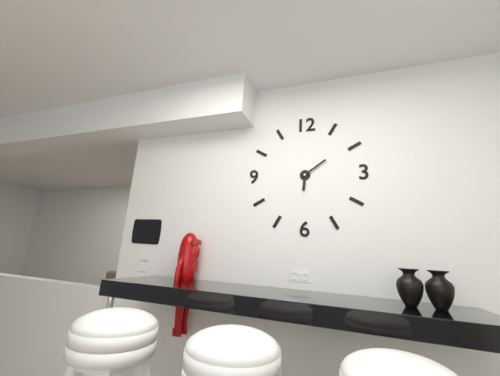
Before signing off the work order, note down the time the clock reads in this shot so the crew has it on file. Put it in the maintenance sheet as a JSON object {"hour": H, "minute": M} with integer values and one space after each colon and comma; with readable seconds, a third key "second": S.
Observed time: {"hour": 6, "minute": 9}
